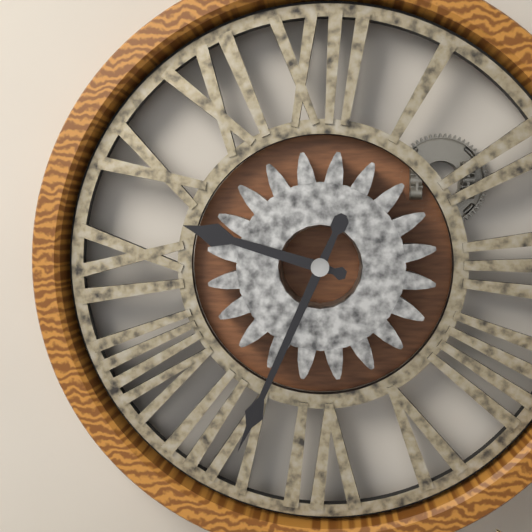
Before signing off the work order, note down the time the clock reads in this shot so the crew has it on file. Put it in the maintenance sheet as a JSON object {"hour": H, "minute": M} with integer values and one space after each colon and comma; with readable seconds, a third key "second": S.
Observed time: {"hour": 9, "minute": 34}
